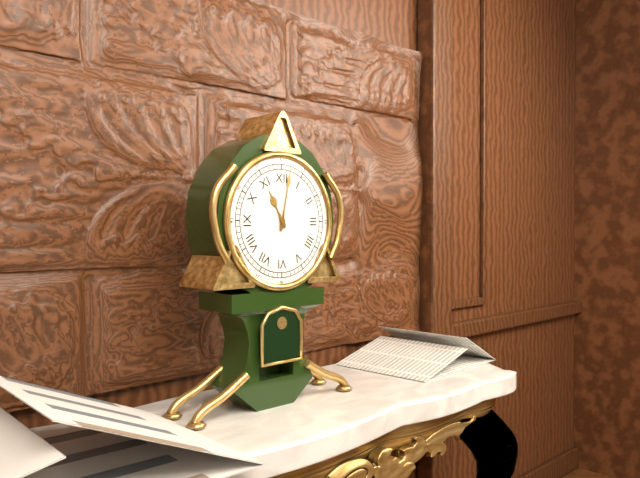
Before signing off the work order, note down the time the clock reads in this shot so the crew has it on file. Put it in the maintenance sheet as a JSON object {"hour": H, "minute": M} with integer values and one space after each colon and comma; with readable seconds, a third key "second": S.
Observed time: {"hour": 11, "minute": 2}
